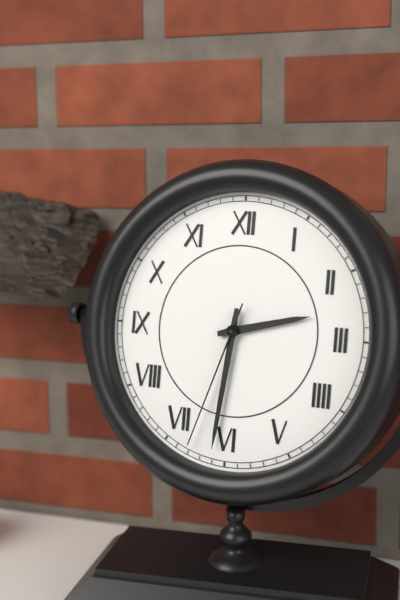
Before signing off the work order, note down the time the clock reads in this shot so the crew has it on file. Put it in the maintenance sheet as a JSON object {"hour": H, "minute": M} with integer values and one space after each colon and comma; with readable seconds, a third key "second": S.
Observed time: {"hour": 2, "minute": 31, "second": 33}
